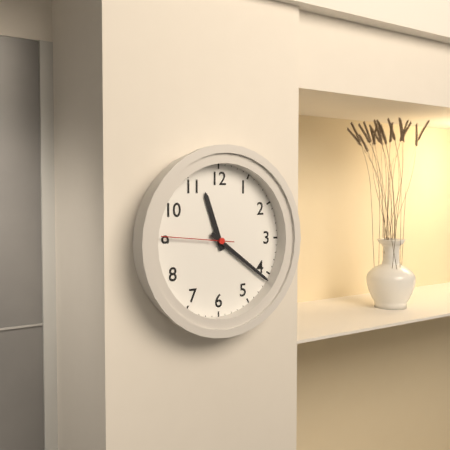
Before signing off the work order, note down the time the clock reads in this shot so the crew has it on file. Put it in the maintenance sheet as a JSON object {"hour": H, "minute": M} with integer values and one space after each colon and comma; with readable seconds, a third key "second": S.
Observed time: {"hour": 11, "minute": 21, "second": 46}
